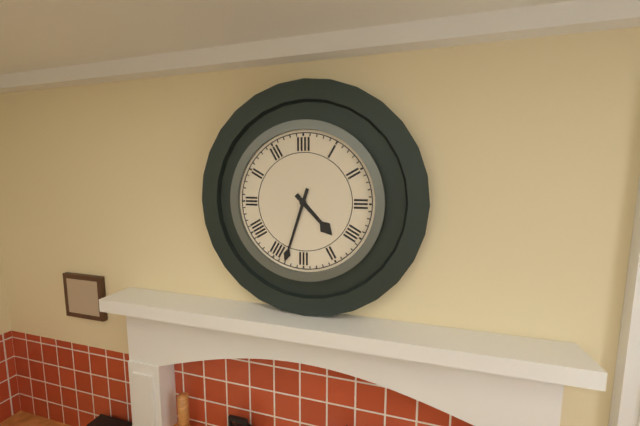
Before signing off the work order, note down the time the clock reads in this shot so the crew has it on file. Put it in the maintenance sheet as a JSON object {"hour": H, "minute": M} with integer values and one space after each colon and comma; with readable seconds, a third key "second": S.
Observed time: {"hour": 4, "minute": 33}
